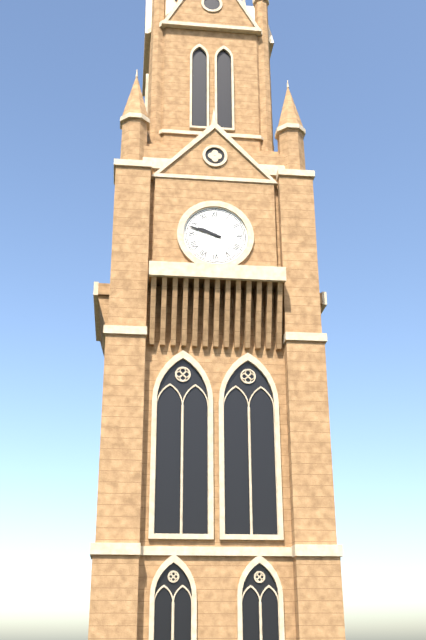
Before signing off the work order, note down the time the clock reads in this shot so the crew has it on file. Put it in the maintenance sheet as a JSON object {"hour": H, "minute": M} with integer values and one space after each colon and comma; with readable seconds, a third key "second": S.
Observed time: {"hour": 9, "minute": 48}
